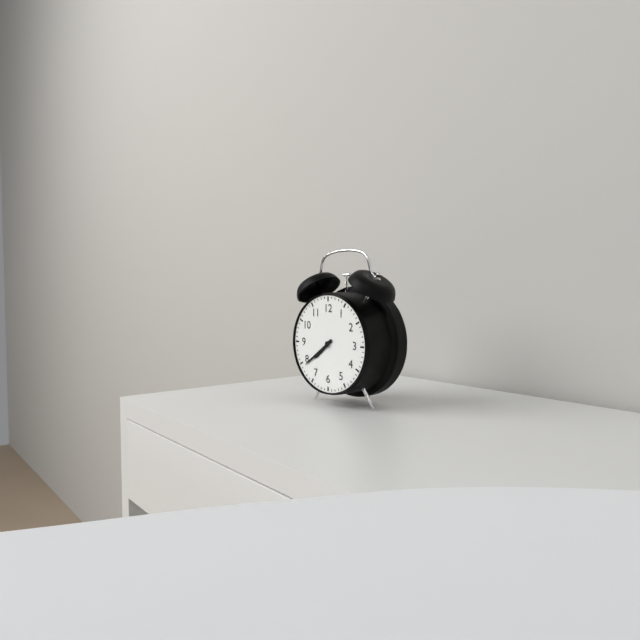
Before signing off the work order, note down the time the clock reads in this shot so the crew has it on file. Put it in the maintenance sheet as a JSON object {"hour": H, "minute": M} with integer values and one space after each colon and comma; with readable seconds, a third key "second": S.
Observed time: {"hour": 7, "minute": 39}
